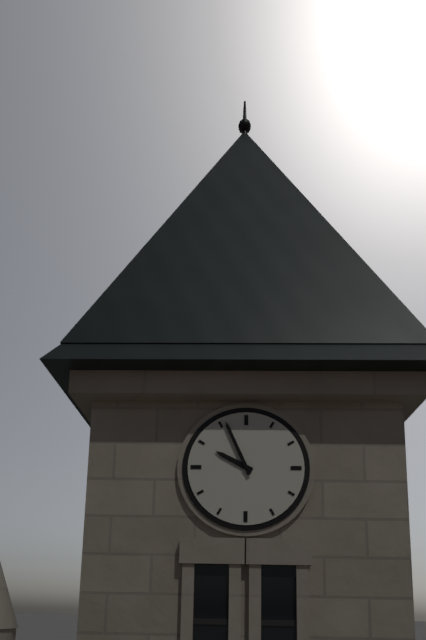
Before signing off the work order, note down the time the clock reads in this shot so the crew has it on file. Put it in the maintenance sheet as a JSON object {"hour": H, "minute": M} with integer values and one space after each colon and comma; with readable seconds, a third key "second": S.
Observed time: {"hour": 9, "minute": 56}
